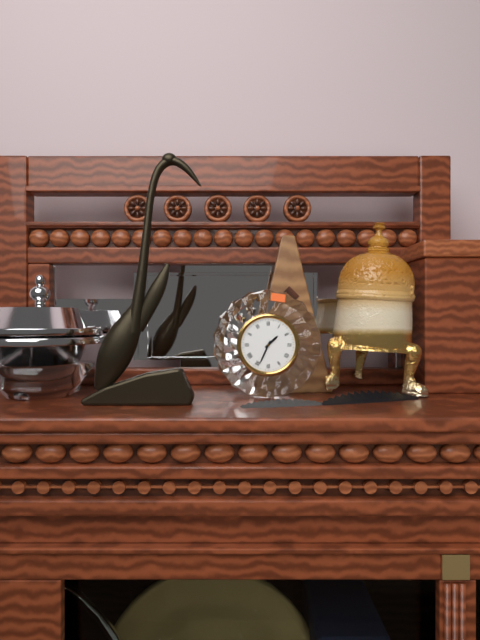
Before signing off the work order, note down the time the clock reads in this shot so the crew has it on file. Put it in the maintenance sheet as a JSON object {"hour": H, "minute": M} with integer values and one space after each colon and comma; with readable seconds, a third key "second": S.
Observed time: {"hour": 1, "minute": 34}
